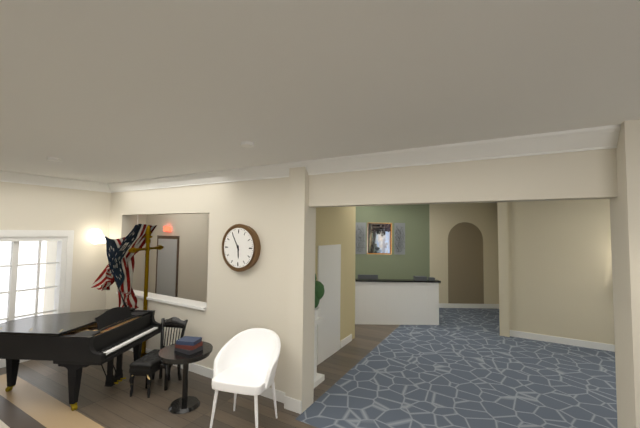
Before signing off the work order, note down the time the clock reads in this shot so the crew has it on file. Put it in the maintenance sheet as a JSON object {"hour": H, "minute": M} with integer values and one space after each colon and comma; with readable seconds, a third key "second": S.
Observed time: {"hour": 5, "minute": 55}
